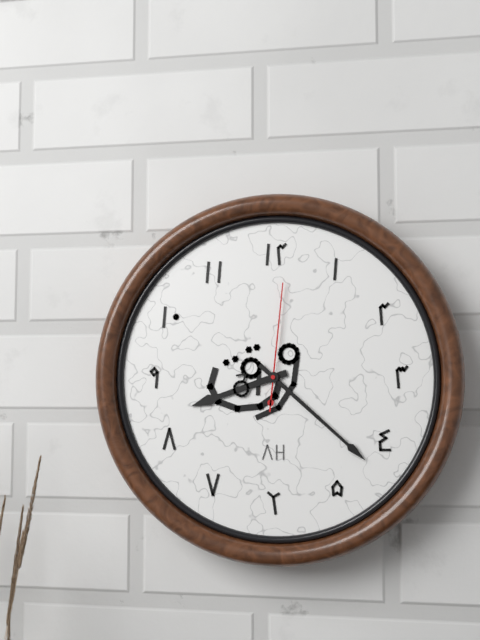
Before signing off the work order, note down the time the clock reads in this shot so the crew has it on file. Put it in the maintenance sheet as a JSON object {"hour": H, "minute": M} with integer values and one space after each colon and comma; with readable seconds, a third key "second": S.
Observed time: {"hour": 8, "minute": 22, "second": 1}
